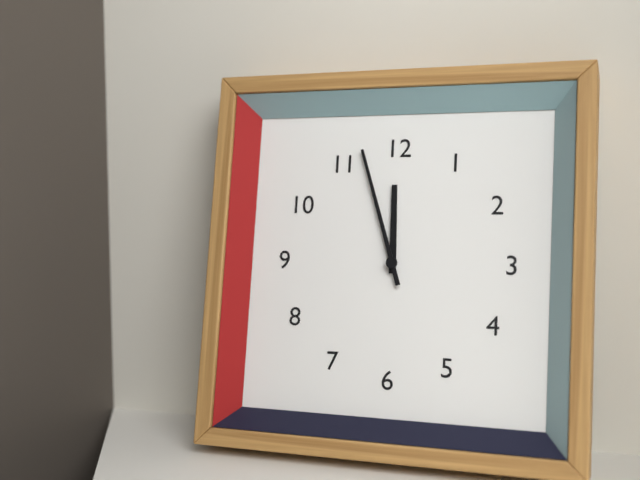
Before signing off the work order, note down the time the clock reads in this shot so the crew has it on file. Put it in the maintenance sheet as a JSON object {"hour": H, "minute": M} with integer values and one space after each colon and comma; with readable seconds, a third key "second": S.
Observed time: {"hour": 11, "minute": 57}
